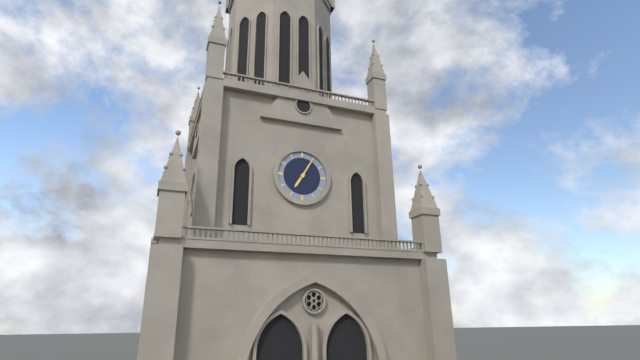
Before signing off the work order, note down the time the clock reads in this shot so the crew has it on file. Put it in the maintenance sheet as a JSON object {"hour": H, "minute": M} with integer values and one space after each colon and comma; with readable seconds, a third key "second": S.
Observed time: {"hour": 7, "minute": 5}
